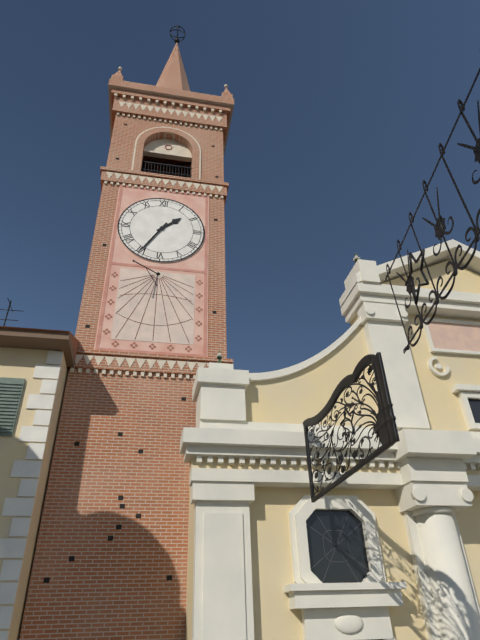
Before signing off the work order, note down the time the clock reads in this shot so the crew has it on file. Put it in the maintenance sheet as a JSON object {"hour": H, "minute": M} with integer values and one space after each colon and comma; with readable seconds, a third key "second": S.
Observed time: {"hour": 1, "minute": 35}
